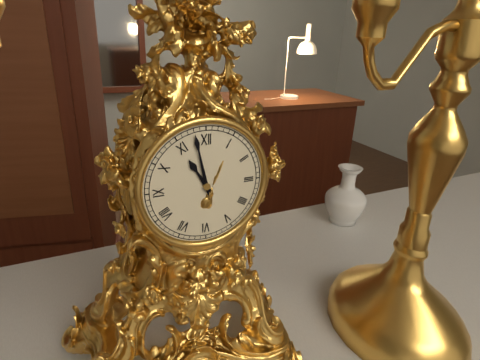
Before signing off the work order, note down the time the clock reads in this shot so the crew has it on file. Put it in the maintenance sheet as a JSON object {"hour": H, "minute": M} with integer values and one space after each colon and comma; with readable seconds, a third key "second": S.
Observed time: {"hour": 10, "minute": 58}
